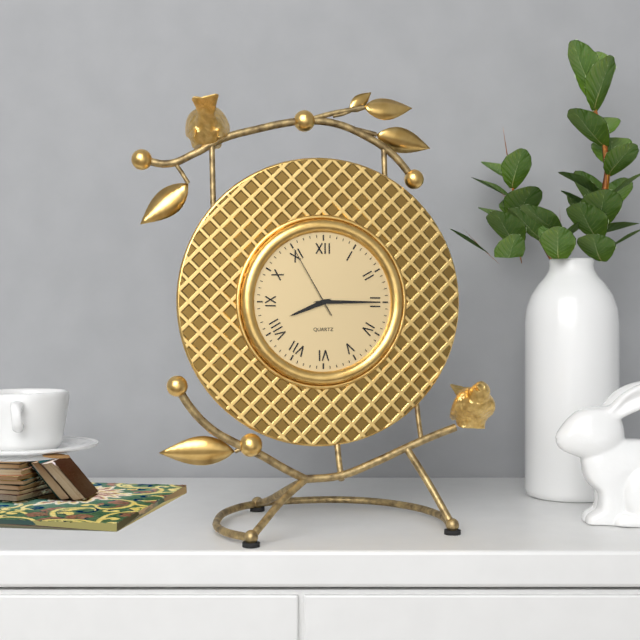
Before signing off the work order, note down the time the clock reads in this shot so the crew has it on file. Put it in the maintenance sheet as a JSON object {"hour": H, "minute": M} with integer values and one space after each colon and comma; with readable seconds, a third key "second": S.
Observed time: {"hour": 8, "minute": 15, "second": 55}
